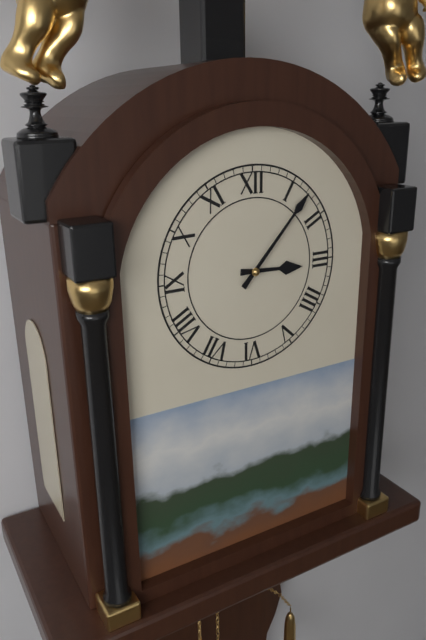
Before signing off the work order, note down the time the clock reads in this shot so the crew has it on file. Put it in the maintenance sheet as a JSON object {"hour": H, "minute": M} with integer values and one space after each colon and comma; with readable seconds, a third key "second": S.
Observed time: {"hour": 3, "minute": 7}
